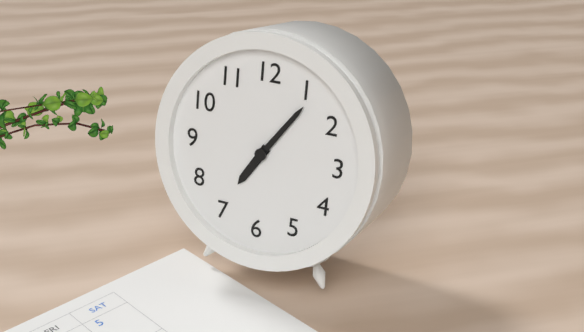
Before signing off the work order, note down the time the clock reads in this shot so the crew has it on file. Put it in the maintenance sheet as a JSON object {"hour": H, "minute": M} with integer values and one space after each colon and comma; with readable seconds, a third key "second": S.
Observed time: {"hour": 7, "minute": 6}
